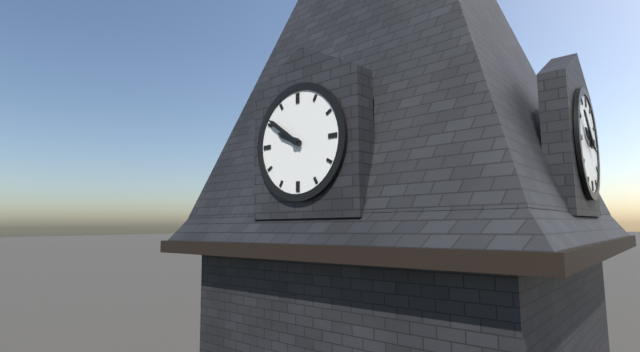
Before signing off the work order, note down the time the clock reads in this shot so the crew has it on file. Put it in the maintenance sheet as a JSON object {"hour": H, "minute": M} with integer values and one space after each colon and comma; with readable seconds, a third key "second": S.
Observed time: {"hour": 9, "minute": 51}
